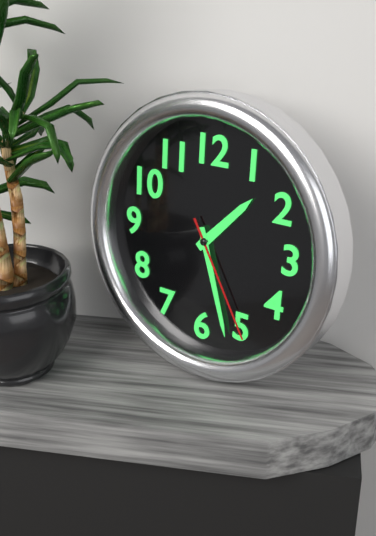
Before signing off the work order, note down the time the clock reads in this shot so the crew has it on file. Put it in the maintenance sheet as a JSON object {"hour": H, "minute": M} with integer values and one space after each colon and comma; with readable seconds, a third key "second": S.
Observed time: {"hour": 1, "minute": 27, "second": 25}
